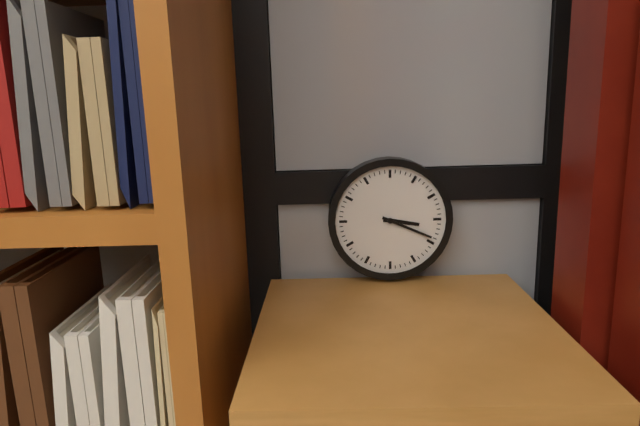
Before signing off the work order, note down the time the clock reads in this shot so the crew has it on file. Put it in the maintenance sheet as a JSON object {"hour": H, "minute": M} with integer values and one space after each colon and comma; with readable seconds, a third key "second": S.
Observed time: {"hour": 3, "minute": 19}
